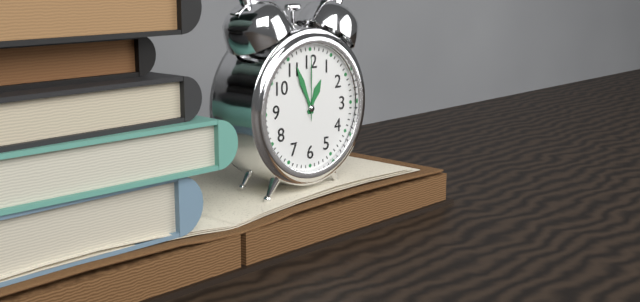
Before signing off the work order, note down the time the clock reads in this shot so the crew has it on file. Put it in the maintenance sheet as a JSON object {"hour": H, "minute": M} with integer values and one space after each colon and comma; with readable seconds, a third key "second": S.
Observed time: {"hour": 12, "minute": 56, "second": 0}
